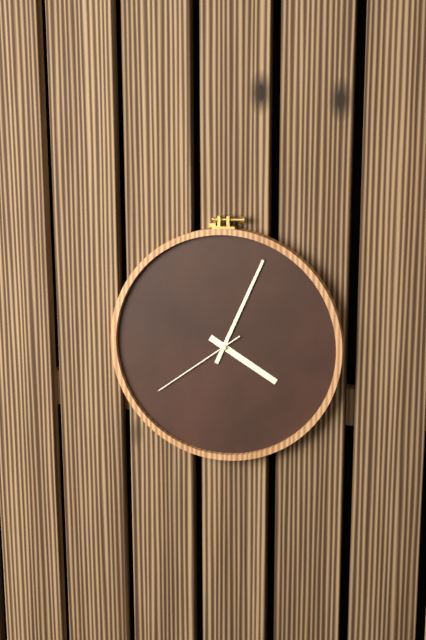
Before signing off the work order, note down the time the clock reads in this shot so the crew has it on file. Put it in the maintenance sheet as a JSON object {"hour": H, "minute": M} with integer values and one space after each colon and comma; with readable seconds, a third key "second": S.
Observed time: {"hour": 4, "minute": 4, "second": 39}
